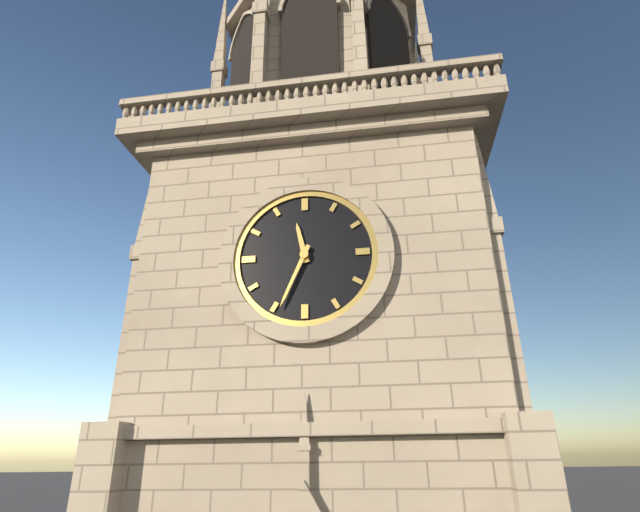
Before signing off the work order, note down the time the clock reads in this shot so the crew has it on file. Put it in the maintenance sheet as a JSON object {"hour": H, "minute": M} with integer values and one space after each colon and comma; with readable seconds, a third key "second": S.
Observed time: {"hour": 11, "minute": 34}
